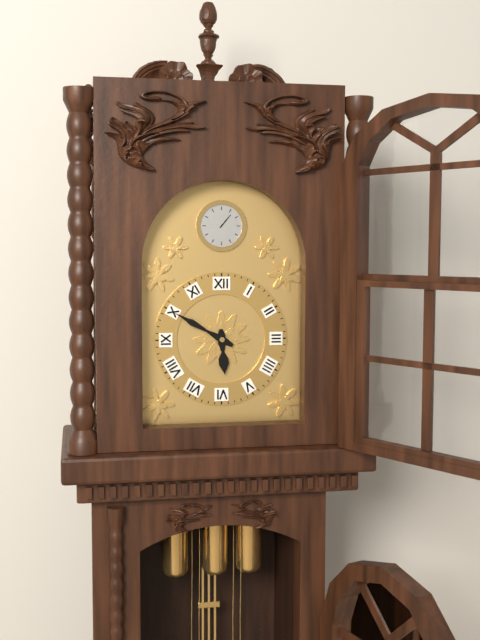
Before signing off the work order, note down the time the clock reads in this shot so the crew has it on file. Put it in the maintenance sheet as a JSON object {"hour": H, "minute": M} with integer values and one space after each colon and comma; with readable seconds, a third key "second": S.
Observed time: {"hour": 5, "minute": 50}
